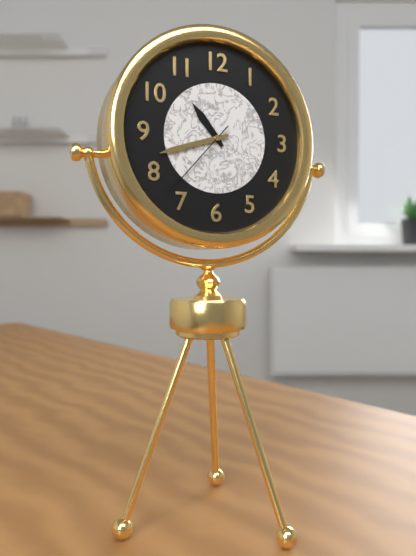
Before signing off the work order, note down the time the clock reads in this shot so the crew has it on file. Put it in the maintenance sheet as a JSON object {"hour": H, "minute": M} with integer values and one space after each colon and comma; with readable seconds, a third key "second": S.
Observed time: {"hour": 10, "minute": 42, "second": 37}
